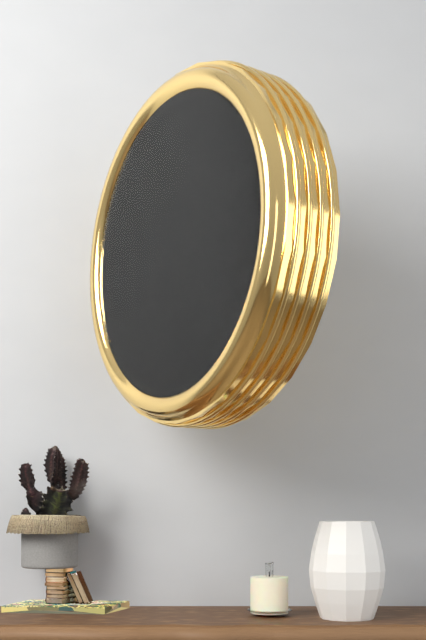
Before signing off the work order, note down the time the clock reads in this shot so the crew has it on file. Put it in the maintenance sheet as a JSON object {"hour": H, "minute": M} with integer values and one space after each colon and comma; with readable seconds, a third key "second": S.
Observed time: {"hour": 11, "minute": 30, "second": 18}
